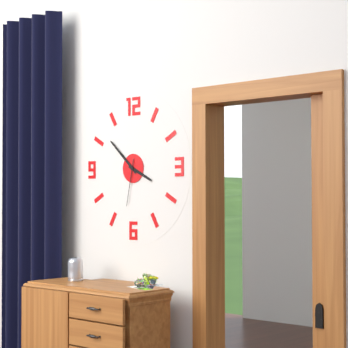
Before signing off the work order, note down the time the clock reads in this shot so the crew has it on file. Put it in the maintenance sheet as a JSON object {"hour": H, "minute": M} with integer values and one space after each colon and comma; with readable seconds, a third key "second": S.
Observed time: {"hour": 3, "minute": 52}
